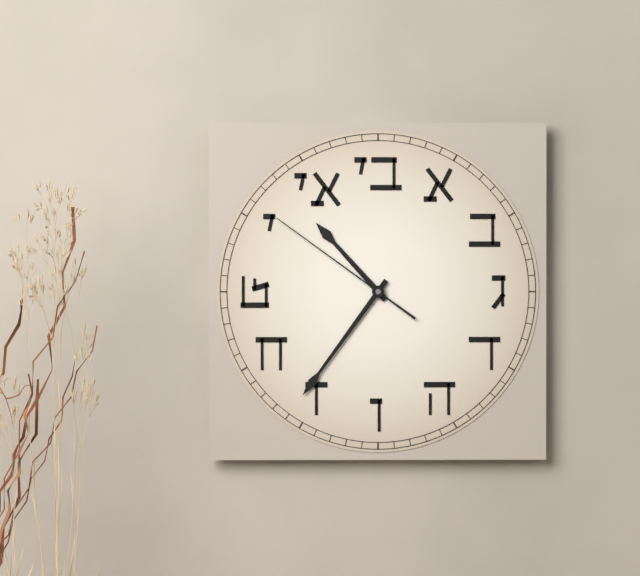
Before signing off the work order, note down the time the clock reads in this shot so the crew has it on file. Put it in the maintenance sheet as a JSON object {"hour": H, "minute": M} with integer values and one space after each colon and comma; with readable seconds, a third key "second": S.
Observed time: {"hour": 10, "minute": 36, "second": 51}
